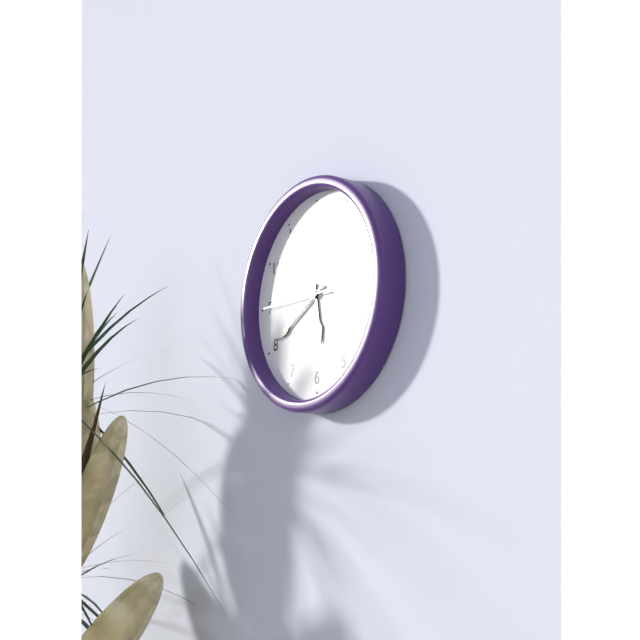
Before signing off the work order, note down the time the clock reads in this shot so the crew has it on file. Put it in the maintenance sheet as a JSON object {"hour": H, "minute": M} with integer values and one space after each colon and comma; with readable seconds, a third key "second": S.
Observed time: {"hour": 5, "minute": 40, "second": 45}
